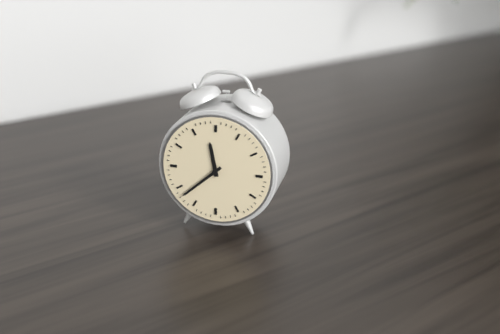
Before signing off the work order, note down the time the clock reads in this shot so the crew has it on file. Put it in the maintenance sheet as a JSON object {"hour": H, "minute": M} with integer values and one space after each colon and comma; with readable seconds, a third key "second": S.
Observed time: {"hour": 11, "minute": 38}
